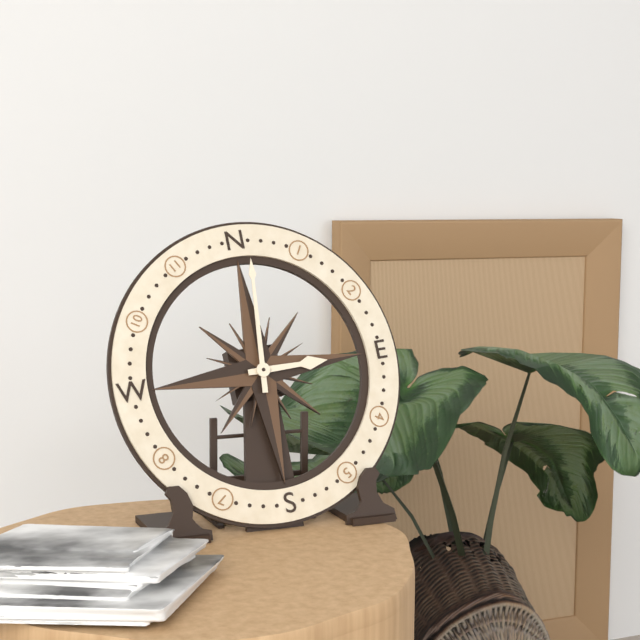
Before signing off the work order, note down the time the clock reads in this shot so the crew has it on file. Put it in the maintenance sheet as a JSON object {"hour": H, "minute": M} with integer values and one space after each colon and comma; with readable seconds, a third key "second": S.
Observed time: {"hour": 3, "minute": 1}
